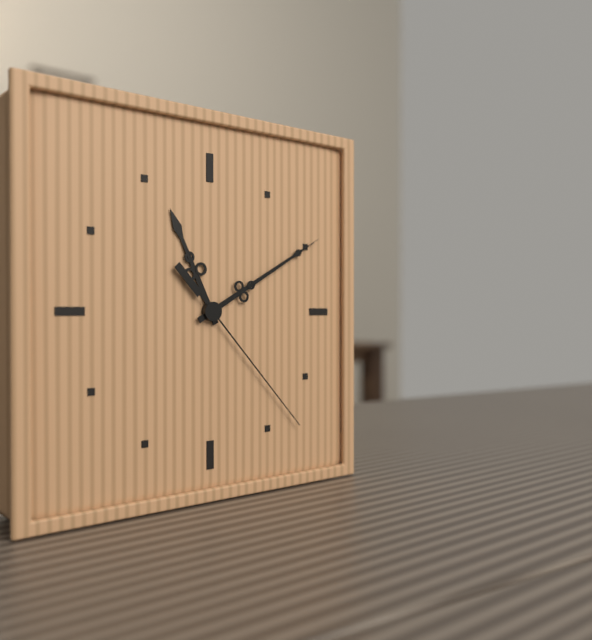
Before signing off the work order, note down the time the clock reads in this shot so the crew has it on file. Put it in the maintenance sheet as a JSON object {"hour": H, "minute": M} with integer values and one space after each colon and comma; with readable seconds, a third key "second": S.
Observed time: {"hour": 11, "minute": 10, "second": 23}
